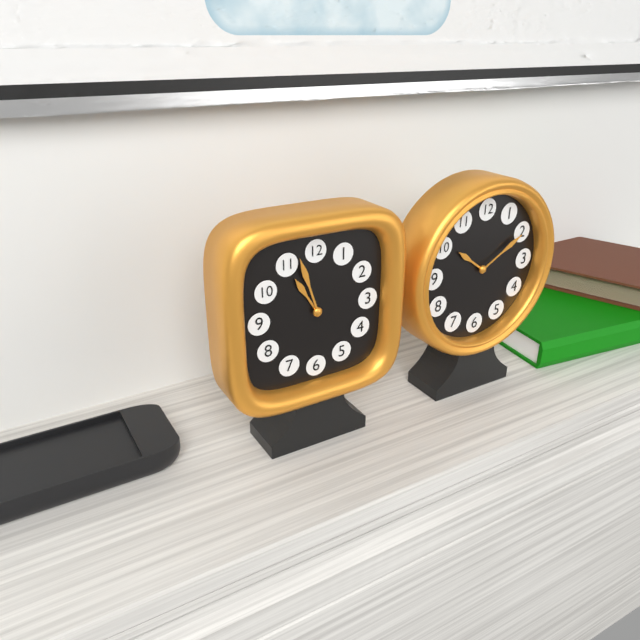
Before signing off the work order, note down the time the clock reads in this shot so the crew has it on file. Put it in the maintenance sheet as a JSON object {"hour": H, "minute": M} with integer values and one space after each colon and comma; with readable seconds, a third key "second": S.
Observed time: {"hour": 10, "minute": 57}
